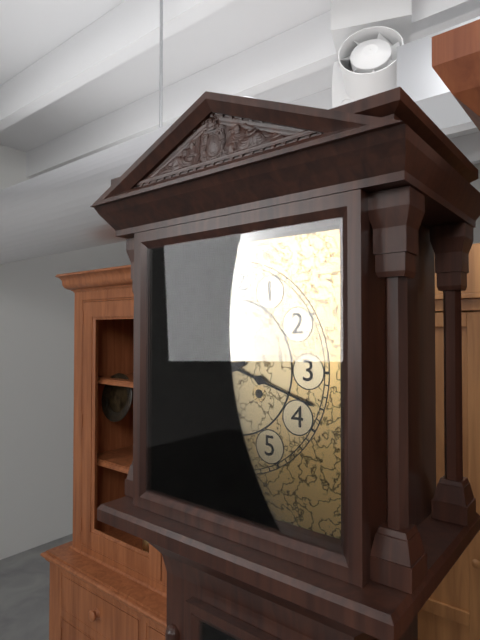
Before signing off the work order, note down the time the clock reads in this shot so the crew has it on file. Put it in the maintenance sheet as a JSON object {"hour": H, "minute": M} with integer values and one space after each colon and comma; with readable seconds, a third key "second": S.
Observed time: {"hour": 8, "minute": 18}
